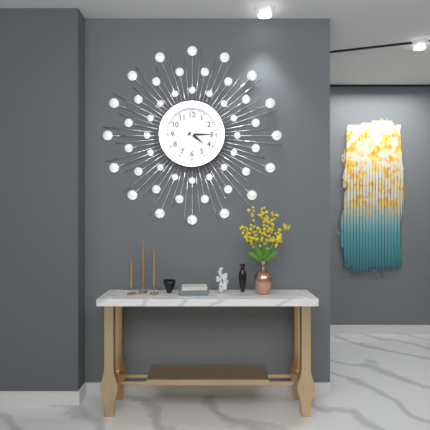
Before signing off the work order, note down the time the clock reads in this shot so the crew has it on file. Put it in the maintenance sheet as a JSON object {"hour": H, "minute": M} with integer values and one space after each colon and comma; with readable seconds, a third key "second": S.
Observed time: {"hour": 4, "minute": 15}
